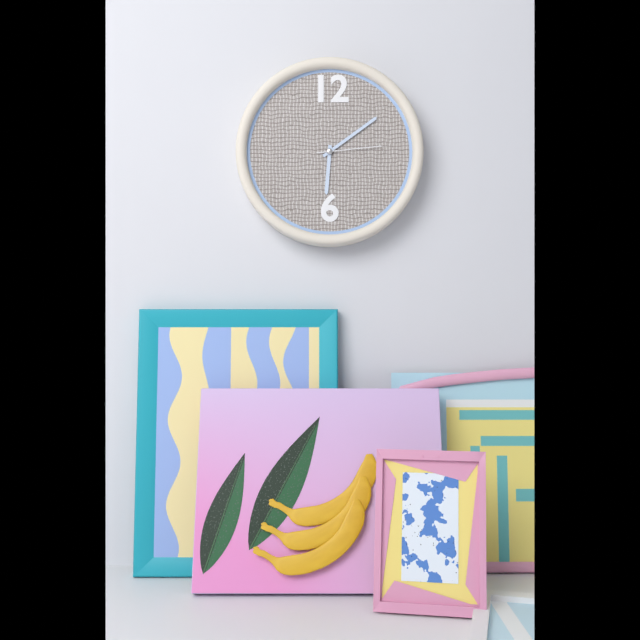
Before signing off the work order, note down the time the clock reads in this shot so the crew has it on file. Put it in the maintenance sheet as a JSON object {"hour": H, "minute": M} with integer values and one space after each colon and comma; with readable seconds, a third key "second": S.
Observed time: {"hour": 6, "minute": 9, "second": 14}
